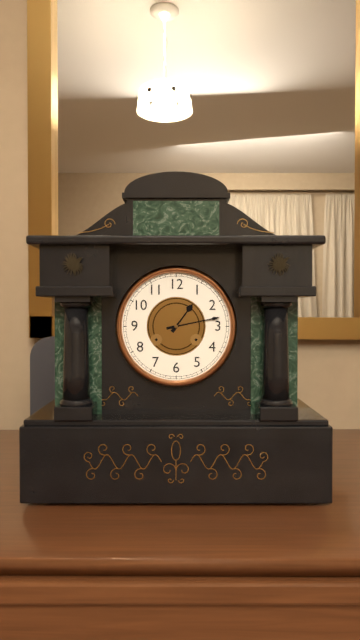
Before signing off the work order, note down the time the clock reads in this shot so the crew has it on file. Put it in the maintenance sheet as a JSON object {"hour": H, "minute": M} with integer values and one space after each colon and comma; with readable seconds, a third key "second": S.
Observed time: {"hour": 1, "minute": 13}
